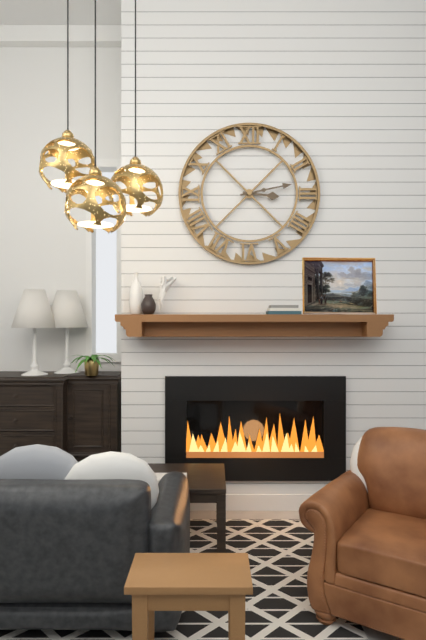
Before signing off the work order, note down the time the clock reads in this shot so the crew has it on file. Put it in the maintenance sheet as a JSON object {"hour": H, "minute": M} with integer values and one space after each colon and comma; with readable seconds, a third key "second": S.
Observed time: {"hour": 3, "minute": 13}
